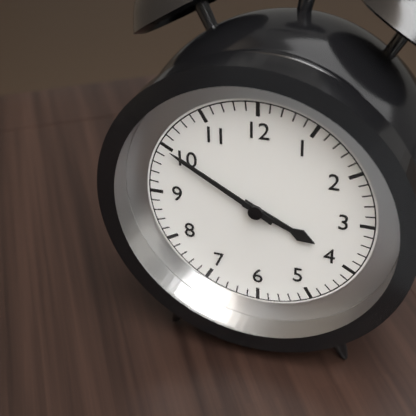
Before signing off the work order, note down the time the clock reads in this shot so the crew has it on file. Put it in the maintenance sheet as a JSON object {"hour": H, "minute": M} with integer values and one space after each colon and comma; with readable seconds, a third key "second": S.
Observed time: {"hour": 3, "minute": 50}
